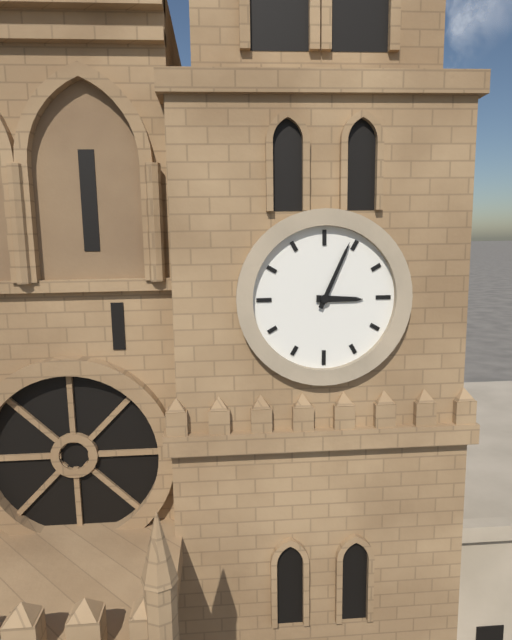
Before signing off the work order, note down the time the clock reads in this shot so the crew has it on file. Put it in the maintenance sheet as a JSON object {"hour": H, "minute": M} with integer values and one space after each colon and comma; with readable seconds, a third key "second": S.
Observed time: {"hour": 3, "minute": 4}
